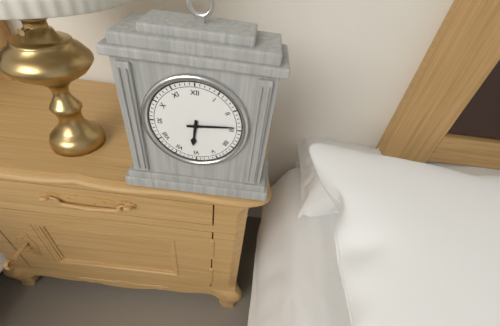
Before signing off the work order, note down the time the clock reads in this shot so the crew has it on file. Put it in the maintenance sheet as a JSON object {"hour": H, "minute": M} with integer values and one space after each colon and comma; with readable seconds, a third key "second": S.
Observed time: {"hour": 6, "minute": 14}
